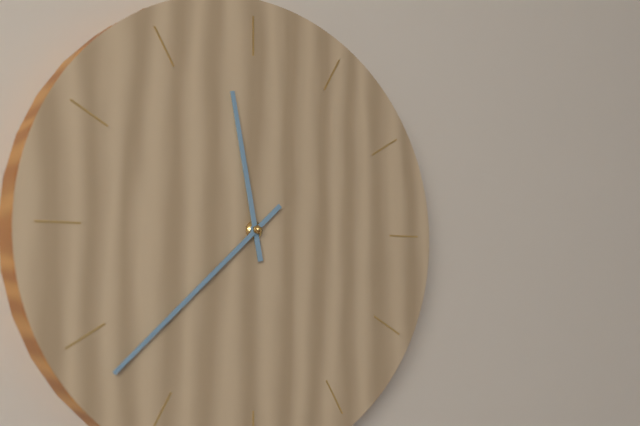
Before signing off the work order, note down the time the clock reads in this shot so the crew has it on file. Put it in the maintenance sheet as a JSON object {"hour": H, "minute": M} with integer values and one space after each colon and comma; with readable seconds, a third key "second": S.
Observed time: {"hour": 11, "minute": 38}
